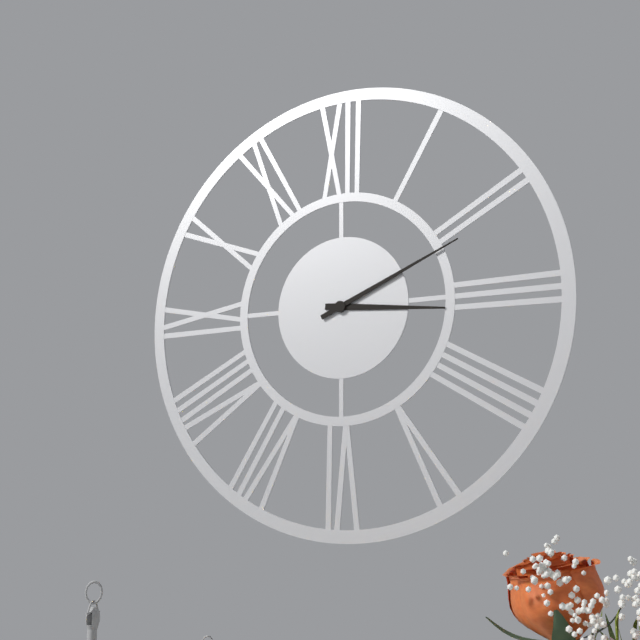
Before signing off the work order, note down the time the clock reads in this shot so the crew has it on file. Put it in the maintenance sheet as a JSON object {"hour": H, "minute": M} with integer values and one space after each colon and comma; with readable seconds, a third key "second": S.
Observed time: {"hour": 3, "minute": 11}
